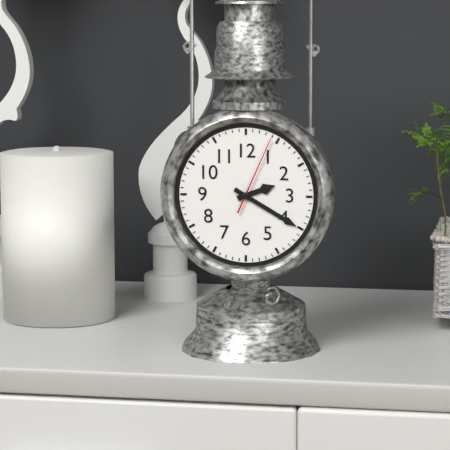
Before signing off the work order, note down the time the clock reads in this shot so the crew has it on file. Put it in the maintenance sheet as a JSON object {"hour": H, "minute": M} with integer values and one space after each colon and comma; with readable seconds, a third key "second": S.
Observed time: {"hour": 2, "minute": 20, "second": 4}
